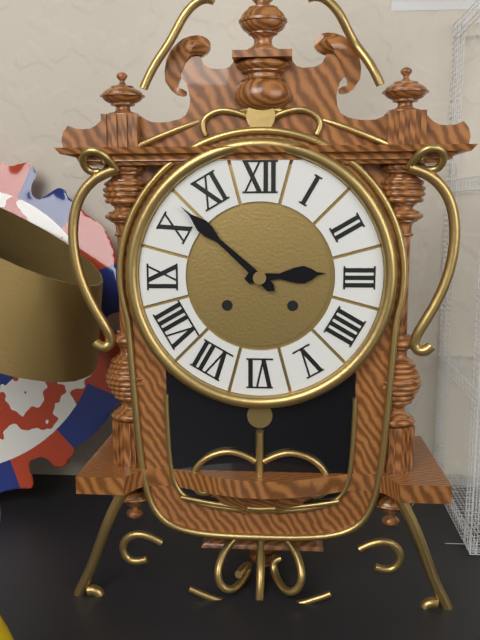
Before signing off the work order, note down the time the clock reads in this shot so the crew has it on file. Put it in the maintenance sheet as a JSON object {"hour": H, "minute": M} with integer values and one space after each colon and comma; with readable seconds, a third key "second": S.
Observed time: {"hour": 2, "minute": 52}
